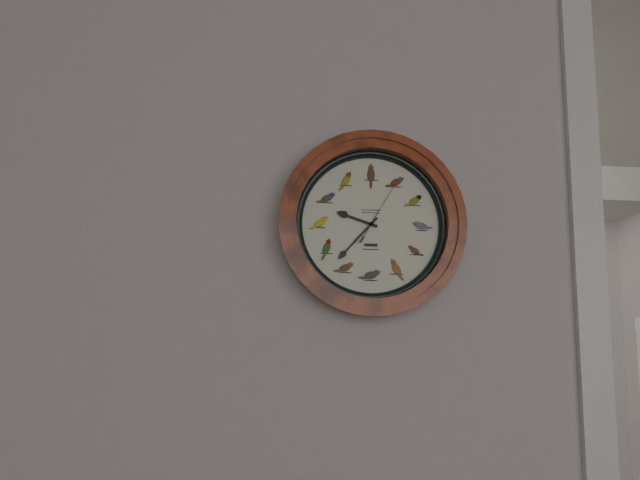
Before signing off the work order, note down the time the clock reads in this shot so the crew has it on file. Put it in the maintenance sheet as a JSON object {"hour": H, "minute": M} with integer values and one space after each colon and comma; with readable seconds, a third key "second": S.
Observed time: {"hour": 9, "minute": 37, "second": 5}
